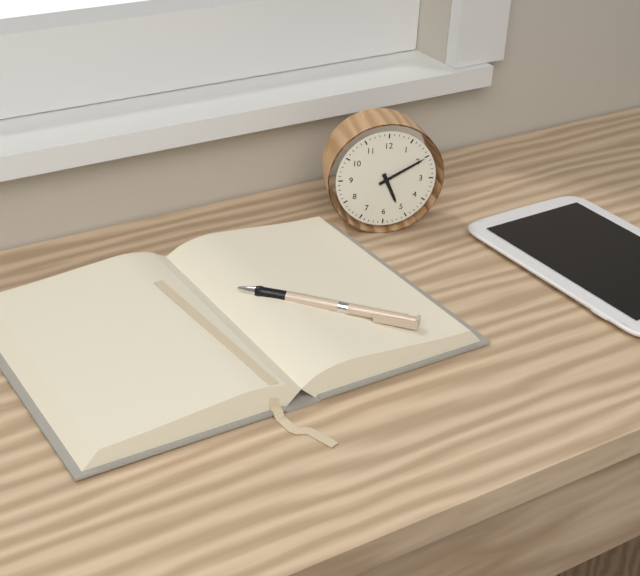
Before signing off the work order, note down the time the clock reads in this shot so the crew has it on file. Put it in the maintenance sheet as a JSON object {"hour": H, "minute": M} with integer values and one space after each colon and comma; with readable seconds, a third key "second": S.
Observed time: {"hour": 5, "minute": 10}
